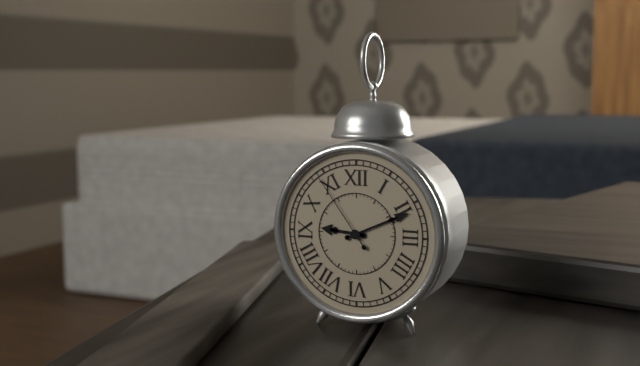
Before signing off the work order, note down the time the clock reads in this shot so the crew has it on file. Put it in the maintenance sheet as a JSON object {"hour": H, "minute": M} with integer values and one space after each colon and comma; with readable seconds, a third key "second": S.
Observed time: {"hour": 9, "minute": 11, "second": 54}
